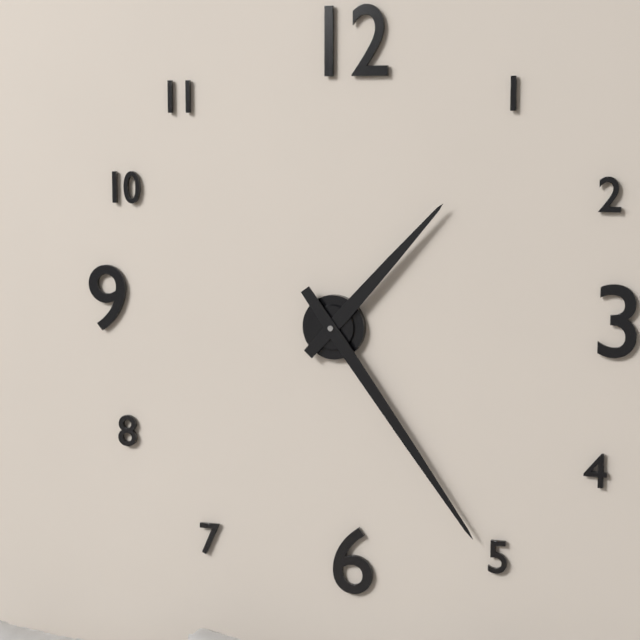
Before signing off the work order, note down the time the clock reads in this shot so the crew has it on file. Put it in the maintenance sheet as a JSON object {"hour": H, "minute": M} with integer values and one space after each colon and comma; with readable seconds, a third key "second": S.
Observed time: {"hour": 1, "minute": 24}
